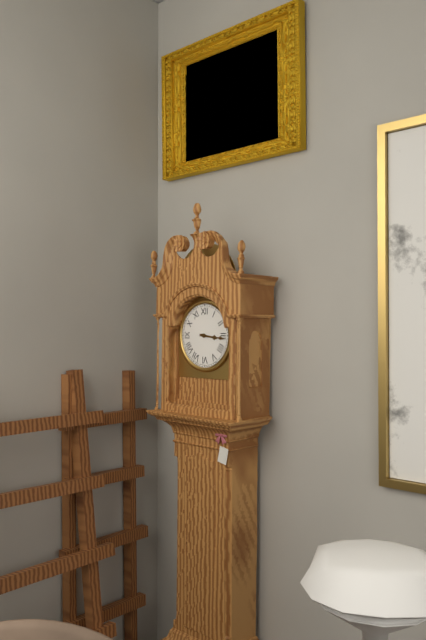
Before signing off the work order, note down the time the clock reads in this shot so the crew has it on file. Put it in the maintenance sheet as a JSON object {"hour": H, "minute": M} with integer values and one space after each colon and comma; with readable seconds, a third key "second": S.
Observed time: {"hour": 3, "minute": 16}
